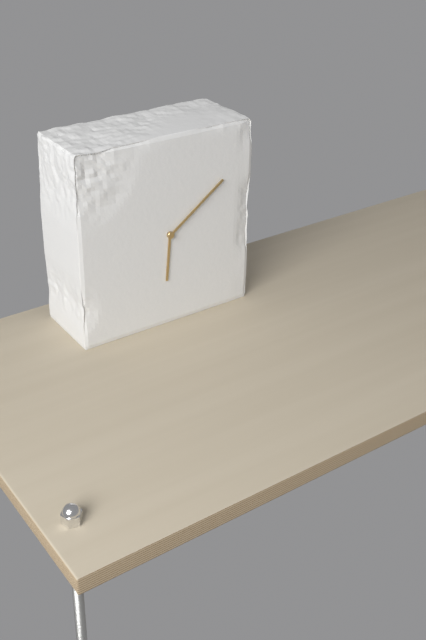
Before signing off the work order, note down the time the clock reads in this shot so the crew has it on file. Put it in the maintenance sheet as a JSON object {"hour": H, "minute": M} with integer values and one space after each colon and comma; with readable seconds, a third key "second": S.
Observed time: {"hour": 6, "minute": 9}
